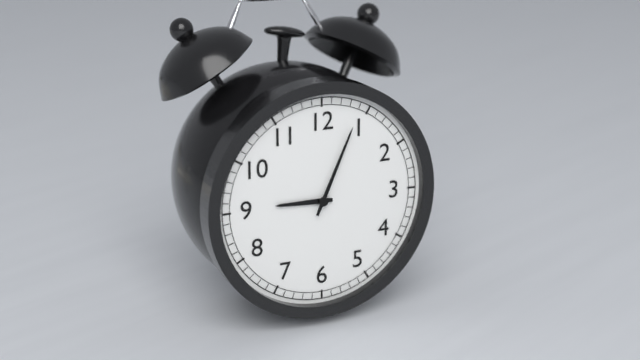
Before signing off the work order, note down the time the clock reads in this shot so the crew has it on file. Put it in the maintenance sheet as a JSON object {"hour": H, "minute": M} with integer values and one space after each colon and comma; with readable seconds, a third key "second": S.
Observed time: {"hour": 9, "minute": 4}
